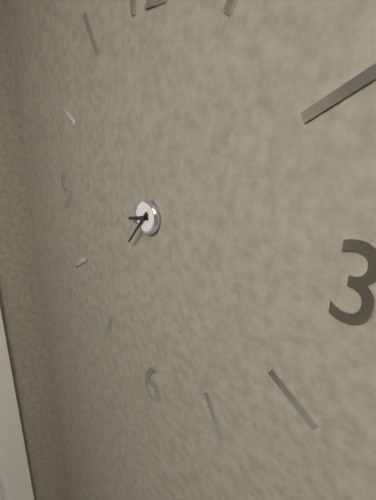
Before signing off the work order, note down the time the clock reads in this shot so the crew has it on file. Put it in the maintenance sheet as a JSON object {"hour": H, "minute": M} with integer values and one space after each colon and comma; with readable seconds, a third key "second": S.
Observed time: {"hour": 8, "minute": 37}
